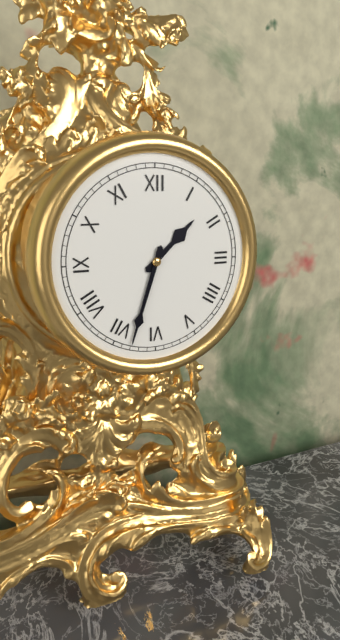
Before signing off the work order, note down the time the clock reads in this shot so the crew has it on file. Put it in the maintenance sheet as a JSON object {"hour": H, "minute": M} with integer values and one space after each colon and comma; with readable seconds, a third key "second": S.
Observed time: {"hour": 1, "minute": 33}
